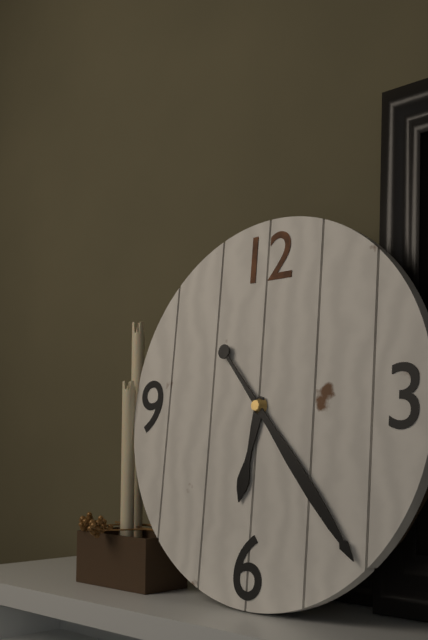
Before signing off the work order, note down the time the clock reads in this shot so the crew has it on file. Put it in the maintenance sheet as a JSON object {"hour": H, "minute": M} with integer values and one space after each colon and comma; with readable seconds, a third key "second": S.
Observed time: {"hour": 6, "minute": 23}
